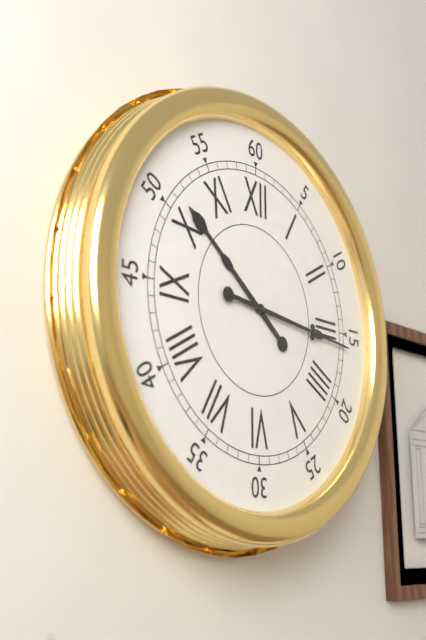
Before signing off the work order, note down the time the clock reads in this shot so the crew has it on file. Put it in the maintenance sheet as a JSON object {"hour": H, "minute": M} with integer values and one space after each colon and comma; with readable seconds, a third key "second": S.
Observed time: {"hour": 10, "minute": 16}
